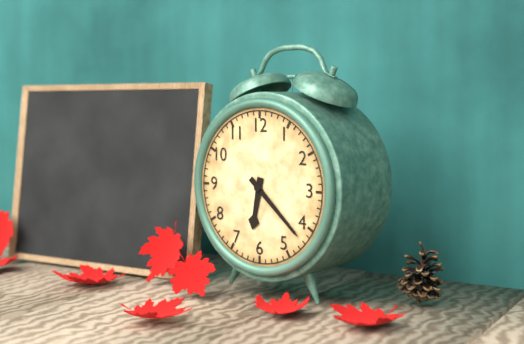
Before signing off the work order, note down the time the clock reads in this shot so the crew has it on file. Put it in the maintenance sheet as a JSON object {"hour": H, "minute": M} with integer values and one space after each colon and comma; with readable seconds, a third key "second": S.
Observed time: {"hour": 6, "minute": 22}
